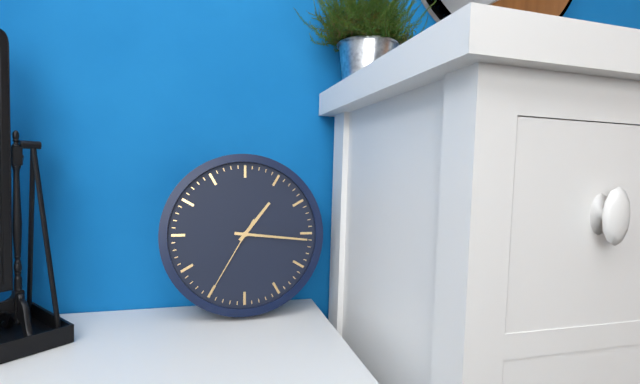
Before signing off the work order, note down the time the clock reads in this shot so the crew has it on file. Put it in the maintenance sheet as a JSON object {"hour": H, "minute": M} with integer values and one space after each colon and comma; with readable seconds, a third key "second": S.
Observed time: {"hour": 1, "minute": 16, "second": 35}
